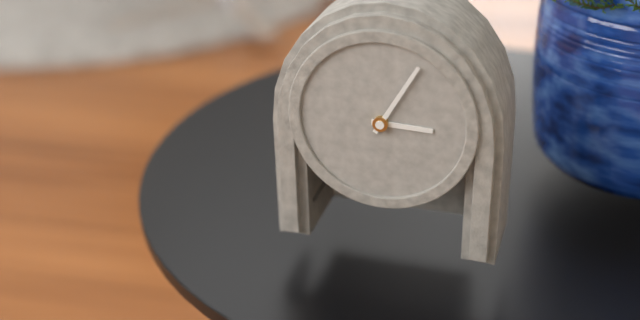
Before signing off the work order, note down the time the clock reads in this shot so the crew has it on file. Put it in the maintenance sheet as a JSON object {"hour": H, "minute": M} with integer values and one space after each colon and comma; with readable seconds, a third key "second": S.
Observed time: {"hour": 3, "minute": 5}
